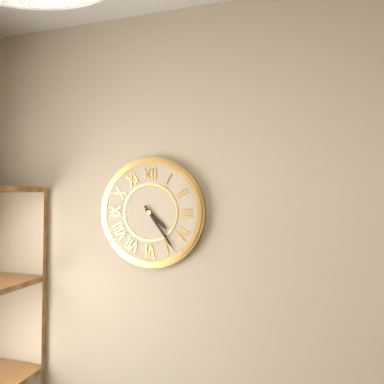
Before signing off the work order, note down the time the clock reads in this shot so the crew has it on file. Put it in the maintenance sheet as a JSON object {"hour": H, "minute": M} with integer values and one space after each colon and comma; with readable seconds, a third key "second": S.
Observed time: {"hour": 4, "minute": 24}
